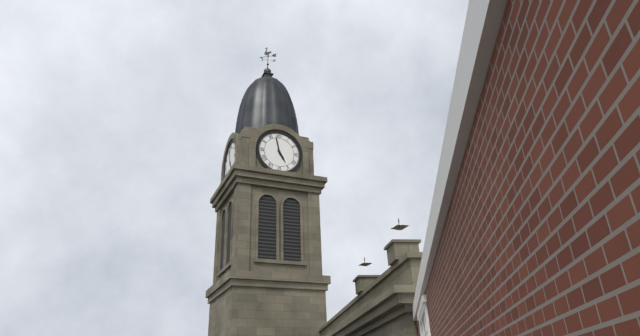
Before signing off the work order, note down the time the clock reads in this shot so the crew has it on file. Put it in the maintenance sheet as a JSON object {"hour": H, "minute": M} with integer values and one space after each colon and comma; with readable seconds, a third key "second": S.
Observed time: {"hour": 4, "minute": 58}
